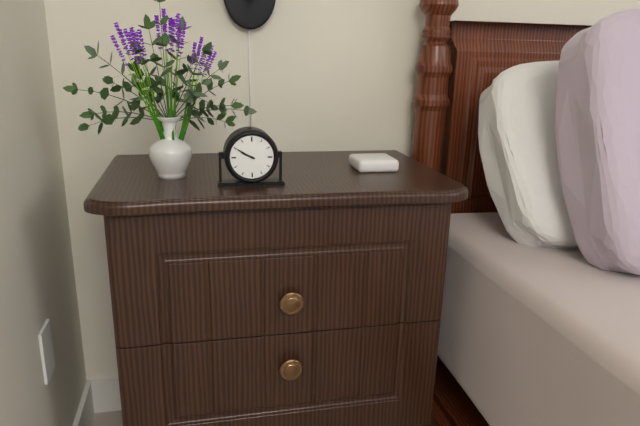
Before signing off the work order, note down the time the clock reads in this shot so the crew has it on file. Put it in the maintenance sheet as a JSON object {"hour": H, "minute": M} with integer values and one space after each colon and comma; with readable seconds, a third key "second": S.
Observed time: {"hour": 9, "minute": 50}
